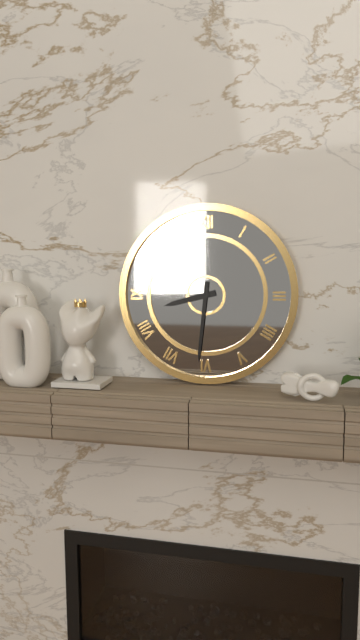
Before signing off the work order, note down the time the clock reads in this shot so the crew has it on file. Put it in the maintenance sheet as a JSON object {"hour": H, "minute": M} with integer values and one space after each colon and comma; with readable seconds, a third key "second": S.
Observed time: {"hour": 8, "minute": 31}
